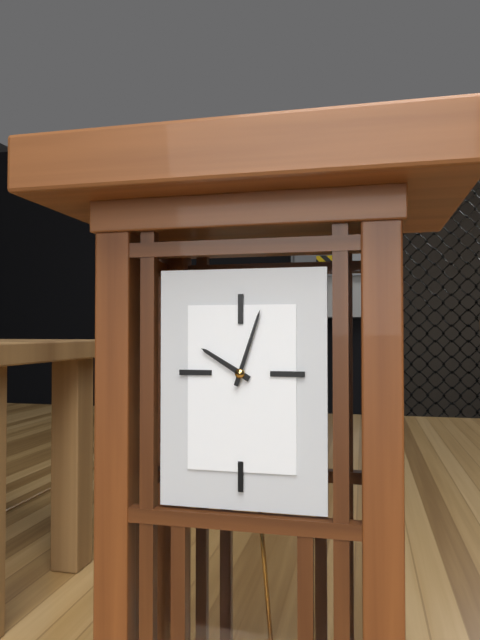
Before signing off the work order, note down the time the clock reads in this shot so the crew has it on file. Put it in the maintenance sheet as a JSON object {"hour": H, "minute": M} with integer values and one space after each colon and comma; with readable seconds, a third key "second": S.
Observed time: {"hour": 10, "minute": 3}
